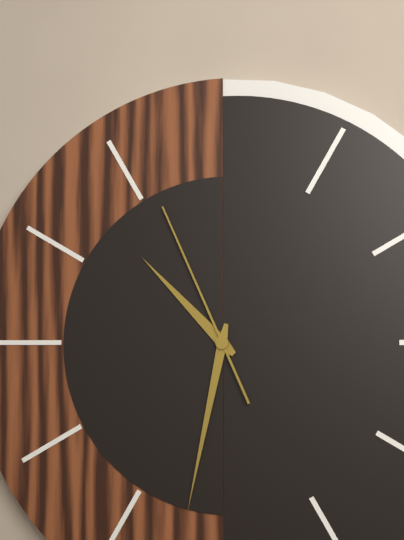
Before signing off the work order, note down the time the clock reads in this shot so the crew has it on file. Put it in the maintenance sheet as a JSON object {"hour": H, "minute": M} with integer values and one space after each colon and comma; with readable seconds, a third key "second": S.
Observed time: {"hour": 10, "minute": 32, "second": 56}
